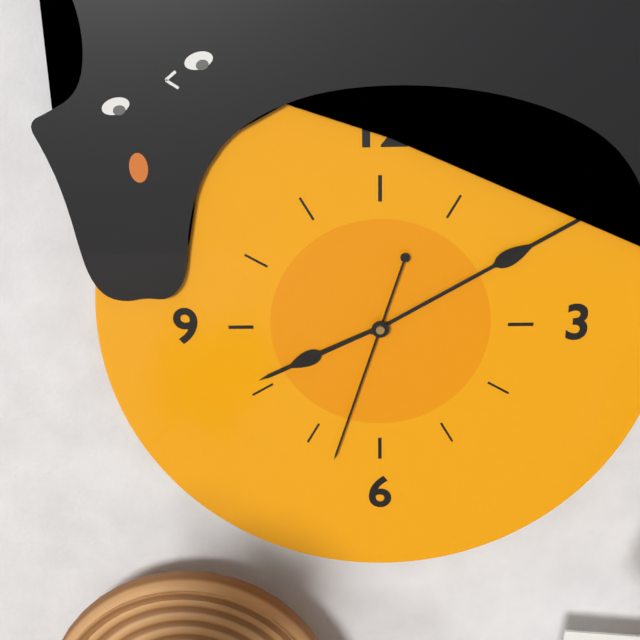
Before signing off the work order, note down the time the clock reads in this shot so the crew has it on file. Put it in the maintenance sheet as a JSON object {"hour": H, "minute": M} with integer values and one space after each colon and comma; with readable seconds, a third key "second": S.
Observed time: {"hour": 8, "minute": 10, "second": 33}
